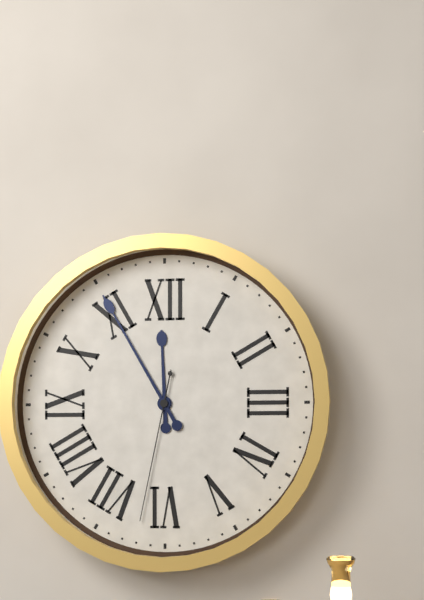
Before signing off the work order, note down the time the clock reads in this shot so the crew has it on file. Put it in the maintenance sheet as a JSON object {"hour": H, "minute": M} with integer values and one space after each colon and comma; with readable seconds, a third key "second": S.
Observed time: {"hour": 11, "minute": 55, "second": 32}
